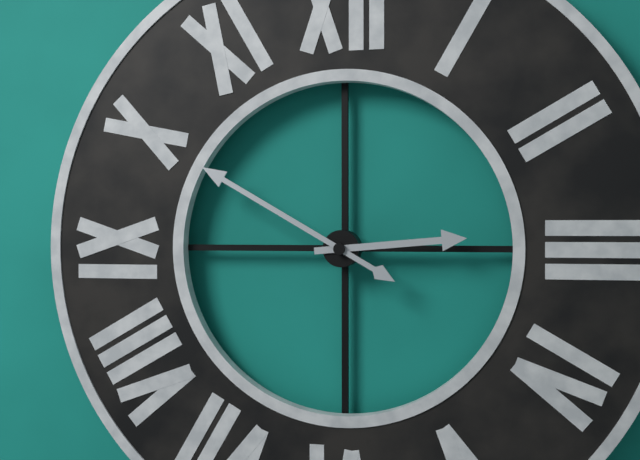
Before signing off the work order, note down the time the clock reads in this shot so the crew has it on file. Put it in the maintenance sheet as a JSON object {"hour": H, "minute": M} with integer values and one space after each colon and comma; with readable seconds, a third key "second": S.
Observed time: {"hour": 2, "minute": 50}
